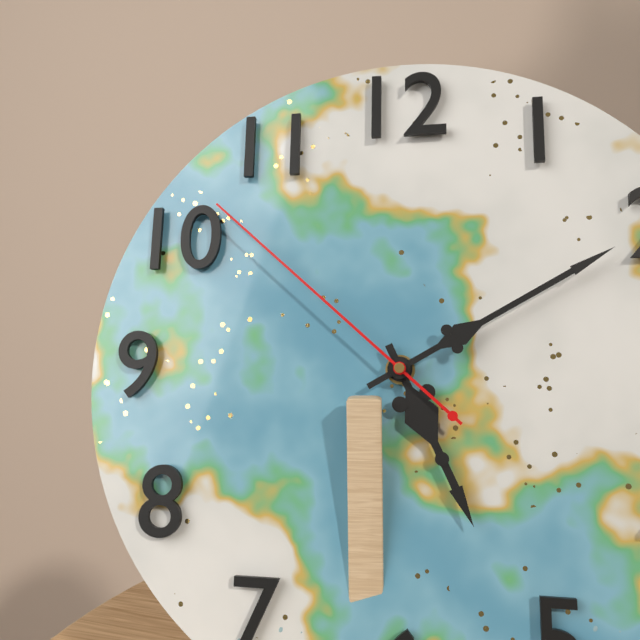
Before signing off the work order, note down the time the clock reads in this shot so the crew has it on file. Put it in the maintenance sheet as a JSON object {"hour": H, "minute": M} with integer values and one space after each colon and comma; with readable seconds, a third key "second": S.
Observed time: {"hour": 5, "minute": 10, "second": 52}
